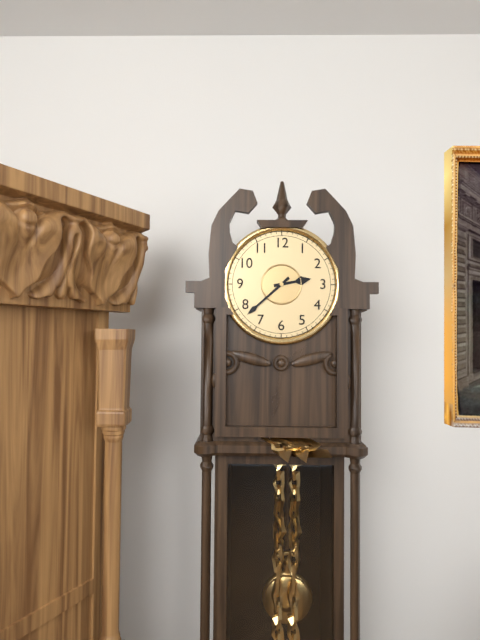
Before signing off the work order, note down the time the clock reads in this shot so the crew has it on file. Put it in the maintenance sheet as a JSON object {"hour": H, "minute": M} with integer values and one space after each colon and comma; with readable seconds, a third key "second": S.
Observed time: {"hour": 2, "minute": 38}
